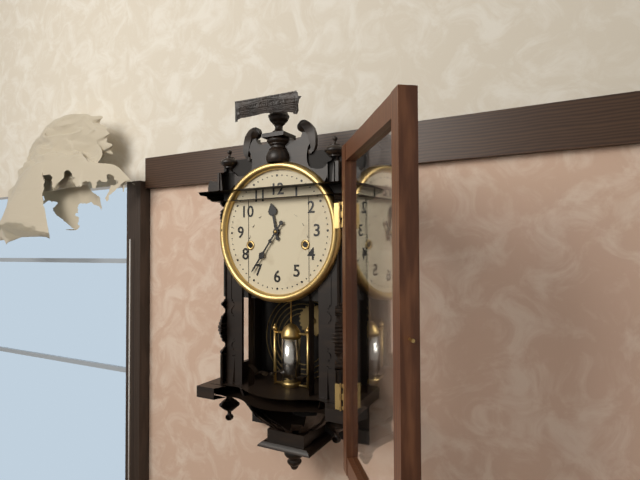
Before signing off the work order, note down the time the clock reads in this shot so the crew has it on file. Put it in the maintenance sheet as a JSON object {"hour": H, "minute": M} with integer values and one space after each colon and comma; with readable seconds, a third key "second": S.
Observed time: {"hour": 11, "minute": 36}
